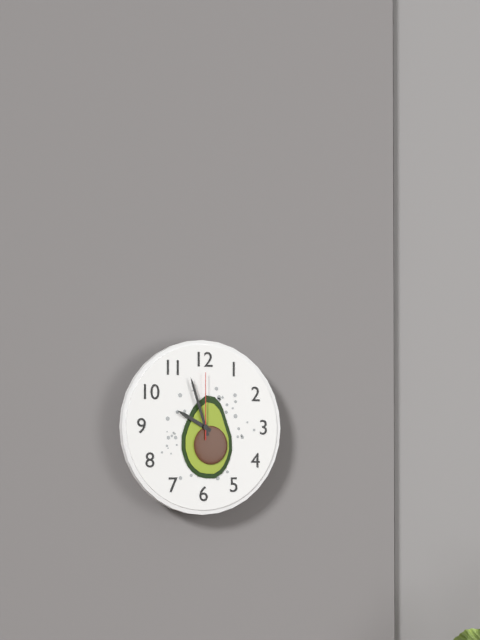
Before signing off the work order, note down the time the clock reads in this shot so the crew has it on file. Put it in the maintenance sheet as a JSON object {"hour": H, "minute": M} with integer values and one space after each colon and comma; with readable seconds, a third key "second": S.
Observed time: {"hour": 9, "minute": 57, "second": 0}
